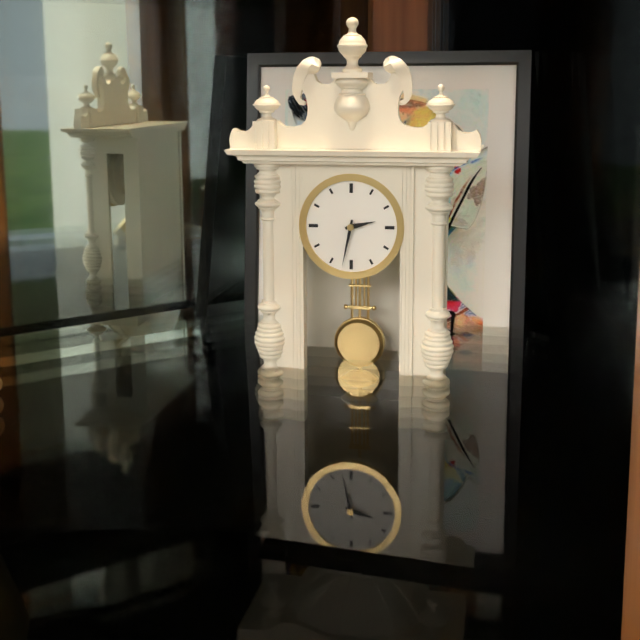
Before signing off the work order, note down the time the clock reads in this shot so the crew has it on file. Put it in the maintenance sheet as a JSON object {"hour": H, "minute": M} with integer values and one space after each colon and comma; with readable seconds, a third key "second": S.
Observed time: {"hour": 2, "minute": 32}
